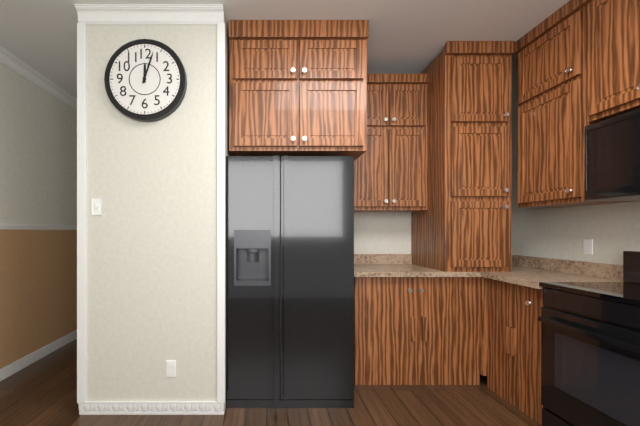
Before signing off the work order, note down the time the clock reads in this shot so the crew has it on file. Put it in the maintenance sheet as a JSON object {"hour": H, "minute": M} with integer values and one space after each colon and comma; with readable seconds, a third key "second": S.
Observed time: {"hour": 12, "minute": 3}
